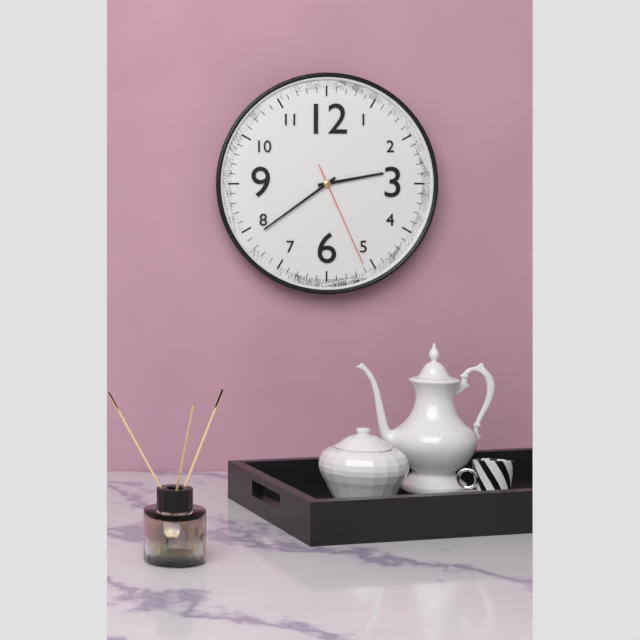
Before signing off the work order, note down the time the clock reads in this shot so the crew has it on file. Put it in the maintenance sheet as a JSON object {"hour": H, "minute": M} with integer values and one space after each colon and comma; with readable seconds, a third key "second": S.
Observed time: {"hour": 2, "minute": 39, "second": 26}
